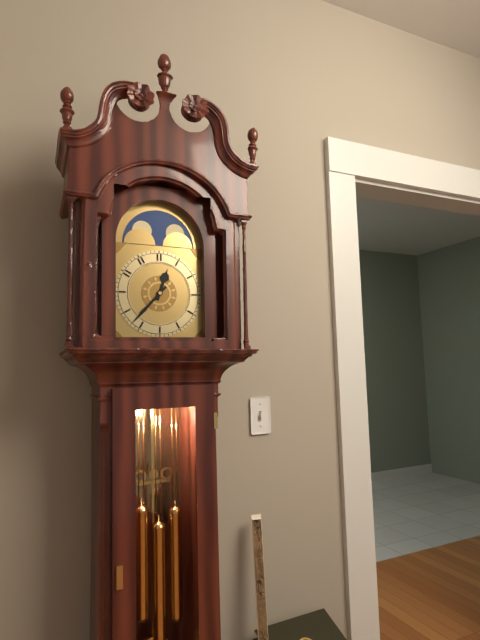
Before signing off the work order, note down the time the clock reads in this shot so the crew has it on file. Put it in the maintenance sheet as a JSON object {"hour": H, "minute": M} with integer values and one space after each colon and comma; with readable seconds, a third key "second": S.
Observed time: {"hour": 12, "minute": 37}
